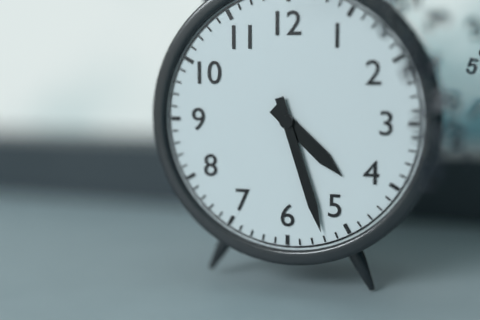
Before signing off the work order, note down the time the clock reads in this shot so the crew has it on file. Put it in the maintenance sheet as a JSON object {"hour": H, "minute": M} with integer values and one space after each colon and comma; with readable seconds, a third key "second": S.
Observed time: {"hour": 4, "minute": 27}
